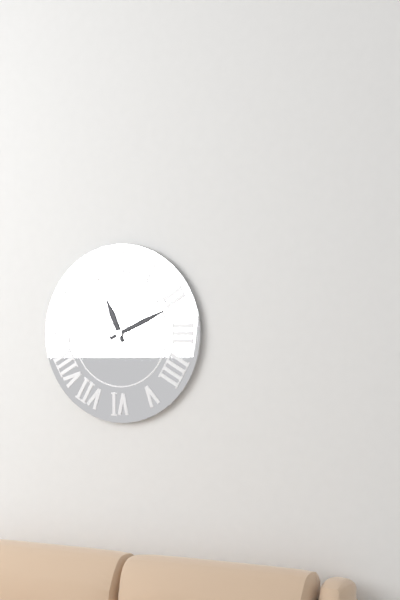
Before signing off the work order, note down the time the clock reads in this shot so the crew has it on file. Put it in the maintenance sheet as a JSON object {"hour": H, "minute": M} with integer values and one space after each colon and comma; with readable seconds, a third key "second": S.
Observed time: {"hour": 11, "minute": 11}
